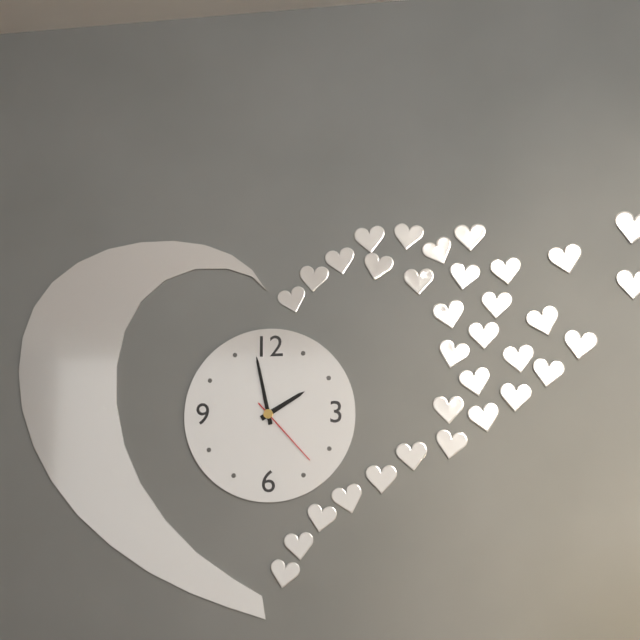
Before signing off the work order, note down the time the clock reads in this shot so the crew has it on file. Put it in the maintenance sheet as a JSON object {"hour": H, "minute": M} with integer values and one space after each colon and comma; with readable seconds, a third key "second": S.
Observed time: {"hour": 1, "minute": 58, "second": 23}
